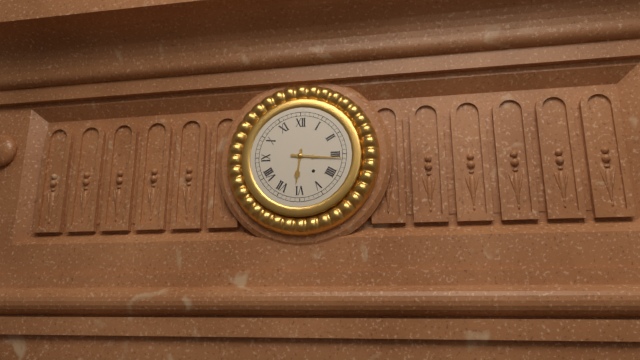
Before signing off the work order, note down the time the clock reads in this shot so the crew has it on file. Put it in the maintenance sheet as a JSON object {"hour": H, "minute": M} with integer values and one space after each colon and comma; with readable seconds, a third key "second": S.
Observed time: {"hour": 6, "minute": 16}
